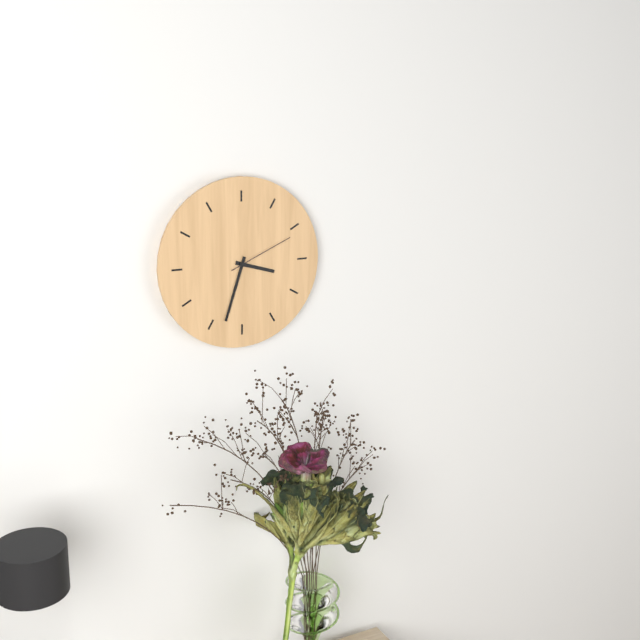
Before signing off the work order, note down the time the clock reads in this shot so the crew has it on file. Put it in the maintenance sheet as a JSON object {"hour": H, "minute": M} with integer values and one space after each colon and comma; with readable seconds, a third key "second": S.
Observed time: {"hour": 3, "minute": 33, "second": 11}
